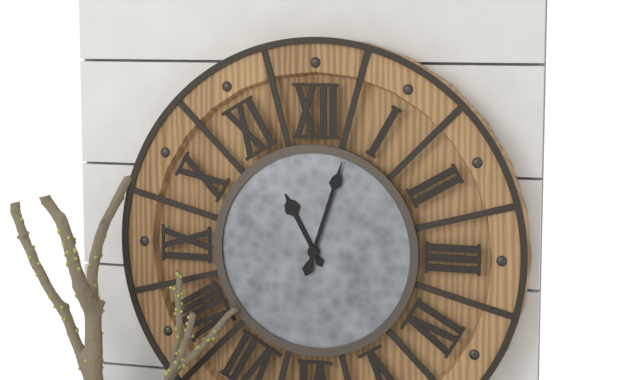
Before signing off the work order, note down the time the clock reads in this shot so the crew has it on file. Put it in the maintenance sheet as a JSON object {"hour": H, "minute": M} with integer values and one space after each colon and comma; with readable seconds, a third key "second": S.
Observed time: {"hour": 11, "minute": 3}
